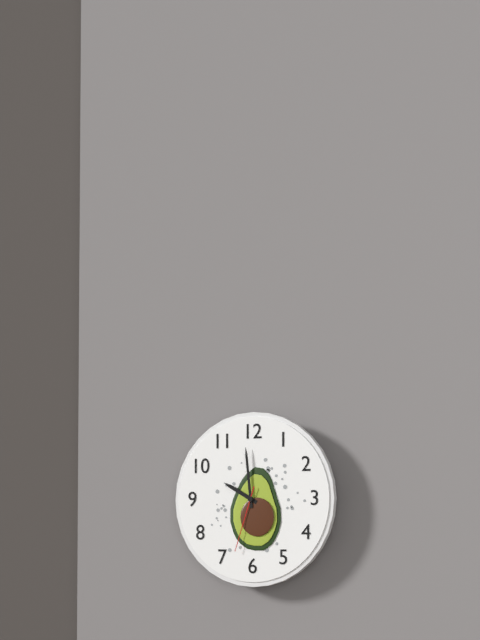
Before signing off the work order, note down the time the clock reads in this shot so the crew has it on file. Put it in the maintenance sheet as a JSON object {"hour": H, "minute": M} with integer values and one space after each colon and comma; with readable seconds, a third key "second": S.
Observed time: {"hour": 9, "minute": 59, "second": 33}
